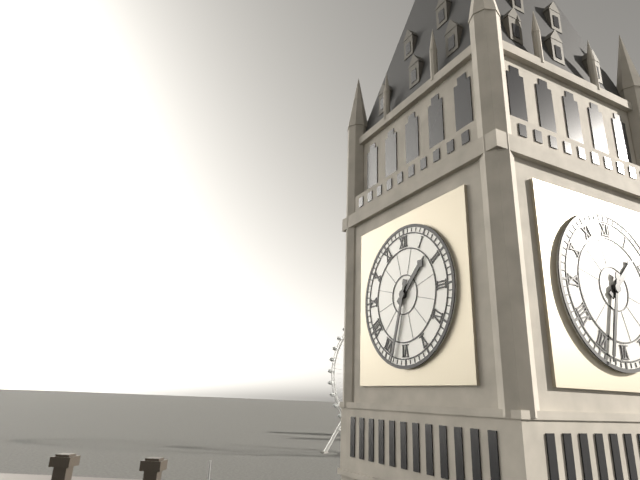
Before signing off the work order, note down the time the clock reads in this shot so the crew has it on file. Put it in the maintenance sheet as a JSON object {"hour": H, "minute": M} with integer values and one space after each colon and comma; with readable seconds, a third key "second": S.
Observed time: {"hour": 1, "minute": 33}
